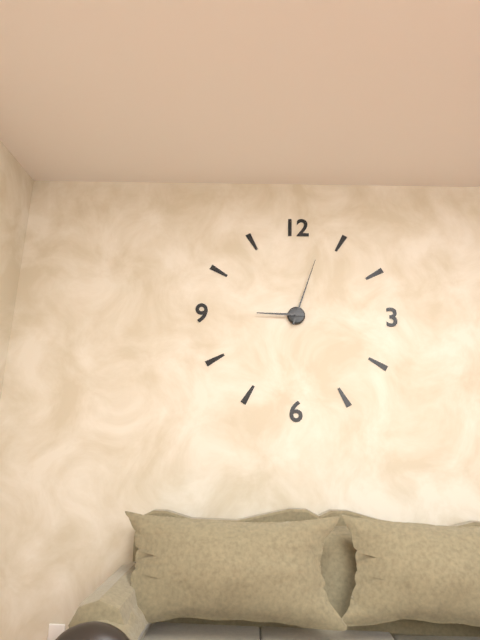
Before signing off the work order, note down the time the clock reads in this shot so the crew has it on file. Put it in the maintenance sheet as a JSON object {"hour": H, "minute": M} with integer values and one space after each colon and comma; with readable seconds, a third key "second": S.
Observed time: {"hour": 9, "minute": 3}
